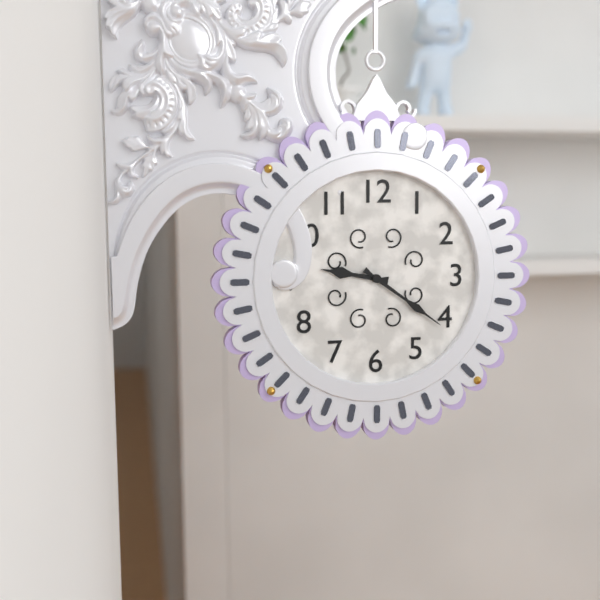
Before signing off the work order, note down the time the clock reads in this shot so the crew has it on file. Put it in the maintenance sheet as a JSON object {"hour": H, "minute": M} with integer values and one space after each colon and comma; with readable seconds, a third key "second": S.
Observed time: {"hour": 9, "minute": 21}
